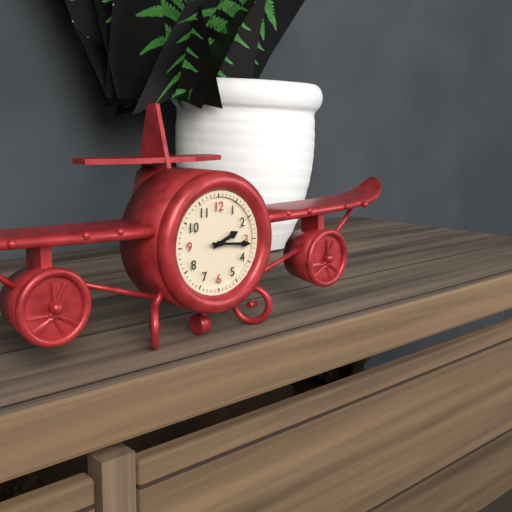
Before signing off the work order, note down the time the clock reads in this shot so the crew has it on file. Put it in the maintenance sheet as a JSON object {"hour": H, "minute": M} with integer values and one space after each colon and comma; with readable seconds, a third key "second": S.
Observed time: {"hour": 2, "minute": 16}
